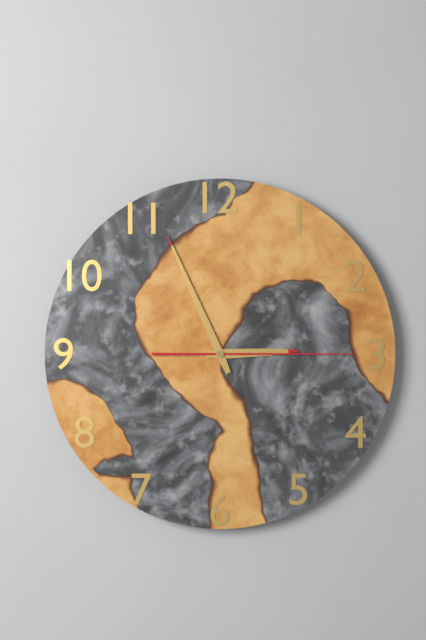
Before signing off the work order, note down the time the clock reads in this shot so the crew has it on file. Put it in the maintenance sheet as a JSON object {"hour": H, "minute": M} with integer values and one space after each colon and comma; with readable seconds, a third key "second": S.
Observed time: {"hour": 2, "minute": 56, "second": 15}
